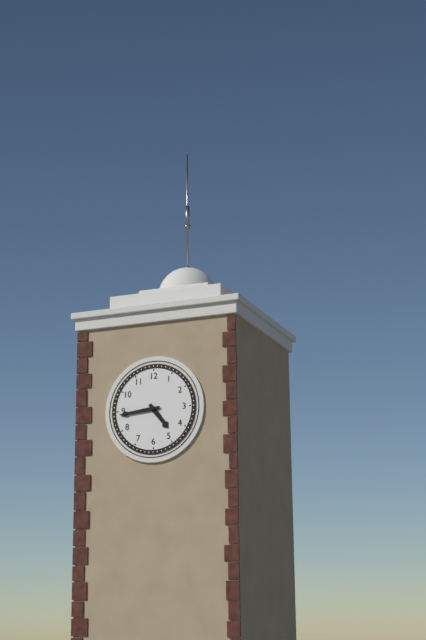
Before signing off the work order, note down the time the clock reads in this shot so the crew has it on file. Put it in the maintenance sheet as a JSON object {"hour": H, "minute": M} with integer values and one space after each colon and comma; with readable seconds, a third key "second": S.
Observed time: {"hour": 4, "minute": 44}
